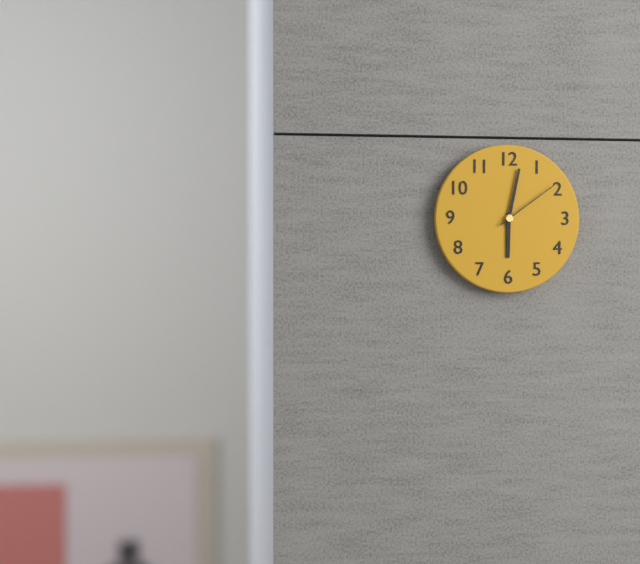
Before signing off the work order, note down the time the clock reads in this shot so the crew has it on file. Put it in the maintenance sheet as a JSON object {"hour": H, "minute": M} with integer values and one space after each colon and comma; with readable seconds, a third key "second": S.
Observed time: {"hour": 6, "minute": 2, "second": 9}
